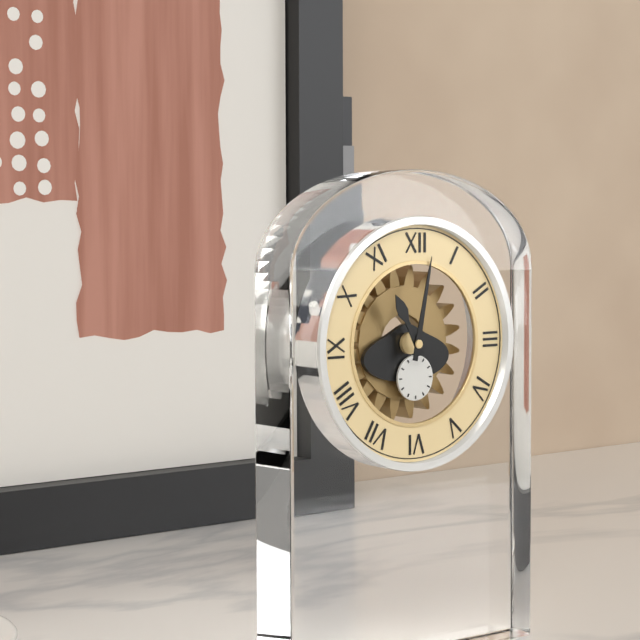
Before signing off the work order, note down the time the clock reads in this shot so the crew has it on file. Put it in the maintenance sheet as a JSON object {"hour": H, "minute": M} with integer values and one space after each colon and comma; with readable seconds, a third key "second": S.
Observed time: {"hour": 11, "minute": 2}
